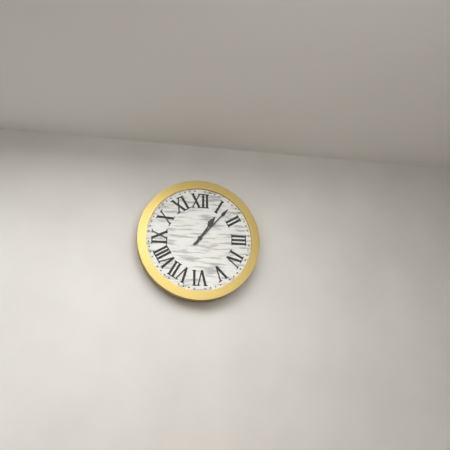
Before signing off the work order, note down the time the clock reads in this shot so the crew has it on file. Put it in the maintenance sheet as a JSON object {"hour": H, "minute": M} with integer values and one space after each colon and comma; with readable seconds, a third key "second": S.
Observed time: {"hour": 1, "minute": 7}
